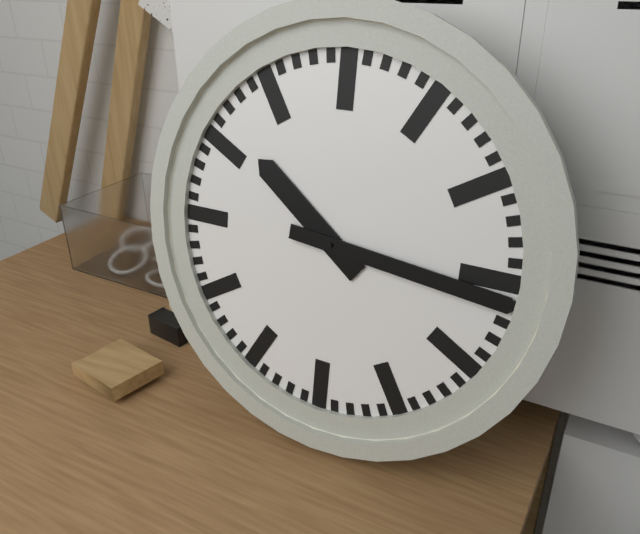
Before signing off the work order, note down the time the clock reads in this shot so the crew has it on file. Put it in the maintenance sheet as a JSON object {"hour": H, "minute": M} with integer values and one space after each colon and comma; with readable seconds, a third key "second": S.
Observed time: {"hour": 10, "minute": 16}
